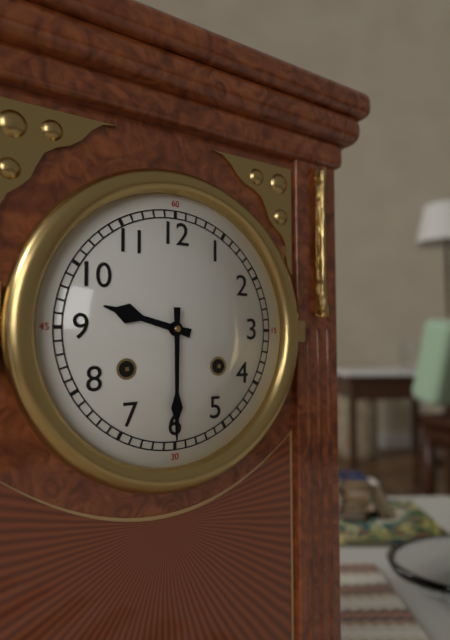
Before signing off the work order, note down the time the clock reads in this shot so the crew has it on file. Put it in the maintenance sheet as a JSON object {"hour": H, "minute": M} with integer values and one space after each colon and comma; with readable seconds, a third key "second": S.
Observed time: {"hour": 9, "minute": 30}
